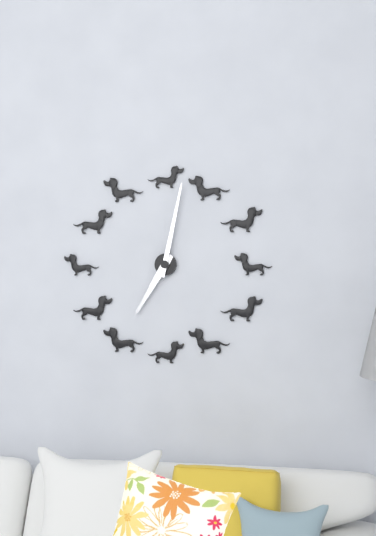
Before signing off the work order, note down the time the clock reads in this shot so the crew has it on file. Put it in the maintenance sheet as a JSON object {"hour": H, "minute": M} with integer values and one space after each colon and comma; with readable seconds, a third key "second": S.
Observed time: {"hour": 7, "minute": 2}
